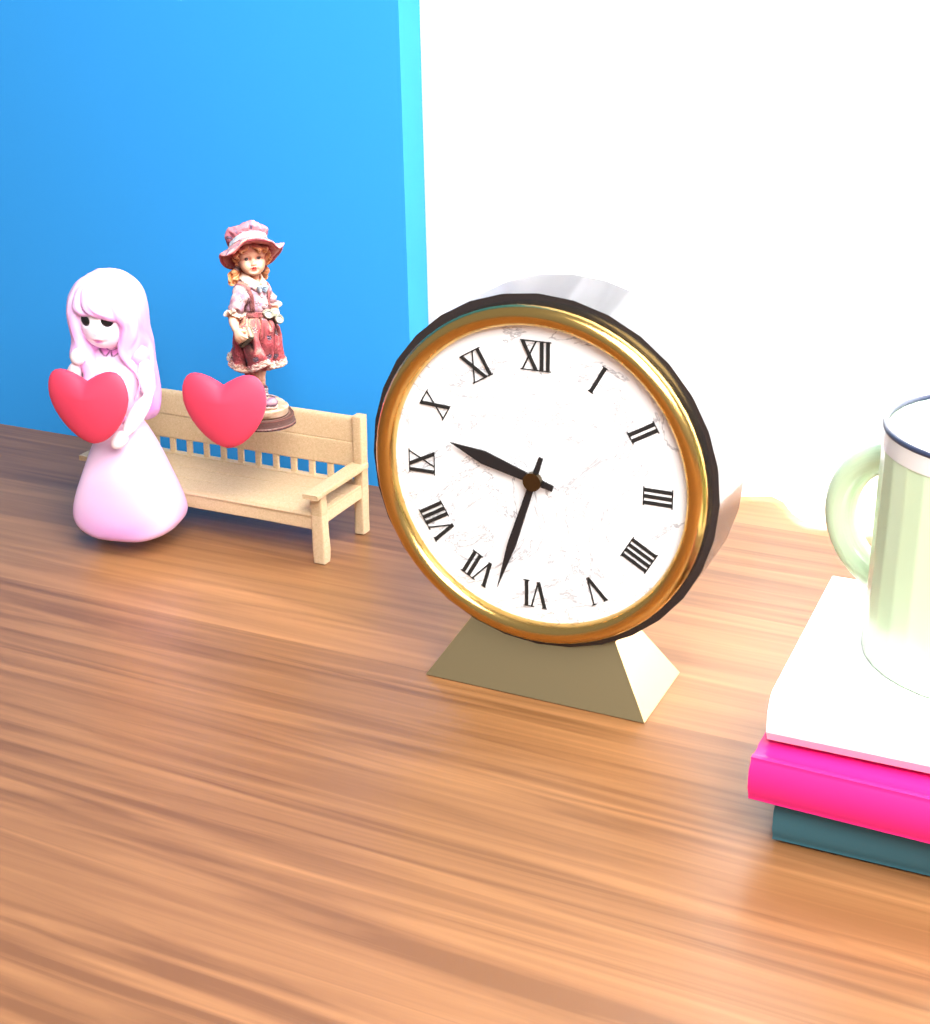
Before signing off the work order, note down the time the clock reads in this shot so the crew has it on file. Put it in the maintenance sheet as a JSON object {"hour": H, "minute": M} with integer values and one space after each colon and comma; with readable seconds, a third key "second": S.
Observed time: {"hour": 9, "minute": 33}
